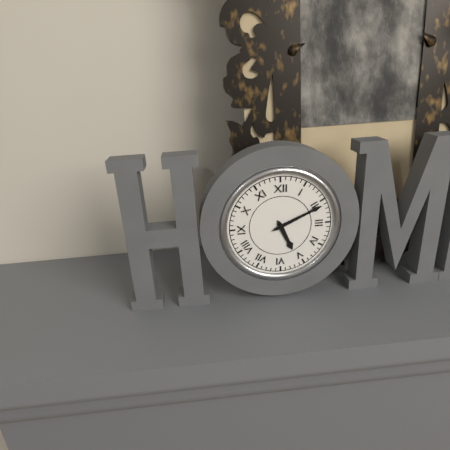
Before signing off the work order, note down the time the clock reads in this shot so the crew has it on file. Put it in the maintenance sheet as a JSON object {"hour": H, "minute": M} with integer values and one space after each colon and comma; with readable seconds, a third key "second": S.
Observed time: {"hour": 5, "minute": 11}
